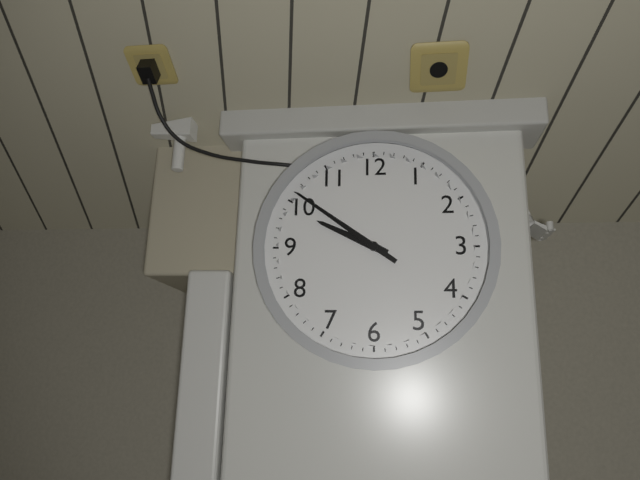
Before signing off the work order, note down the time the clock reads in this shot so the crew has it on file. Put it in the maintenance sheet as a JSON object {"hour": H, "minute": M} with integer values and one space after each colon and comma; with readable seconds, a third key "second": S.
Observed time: {"hour": 9, "minute": 51}
